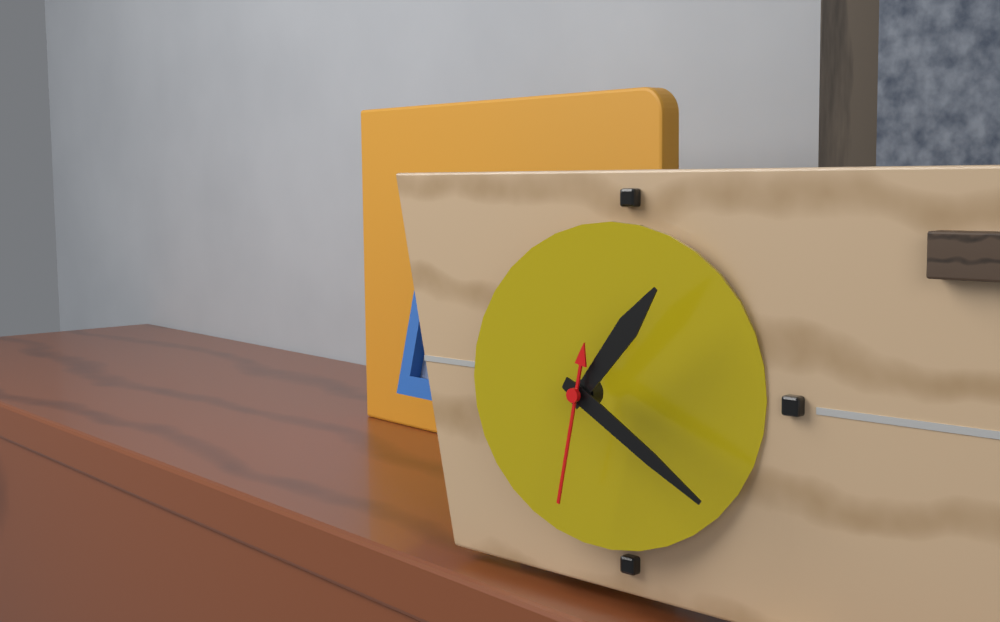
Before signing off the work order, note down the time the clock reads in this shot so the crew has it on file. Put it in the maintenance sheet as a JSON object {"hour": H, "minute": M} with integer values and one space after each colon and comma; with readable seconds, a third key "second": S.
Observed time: {"hour": 1, "minute": 20, "second": 32}
